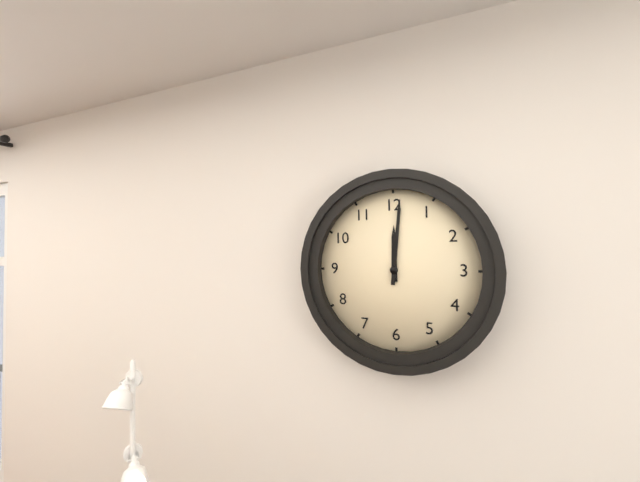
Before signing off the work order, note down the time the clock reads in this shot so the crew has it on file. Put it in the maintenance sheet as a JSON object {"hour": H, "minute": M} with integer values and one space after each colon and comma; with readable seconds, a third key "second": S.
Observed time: {"hour": 12, "minute": 1}
